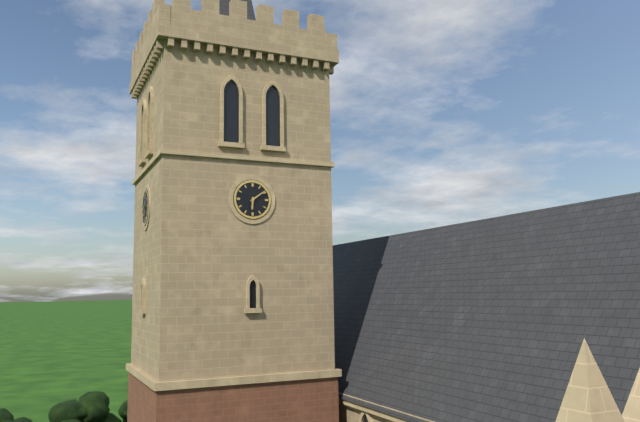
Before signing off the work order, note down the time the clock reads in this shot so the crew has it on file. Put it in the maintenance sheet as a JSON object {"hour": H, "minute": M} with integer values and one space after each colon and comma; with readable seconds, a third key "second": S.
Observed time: {"hour": 6, "minute": 9}
